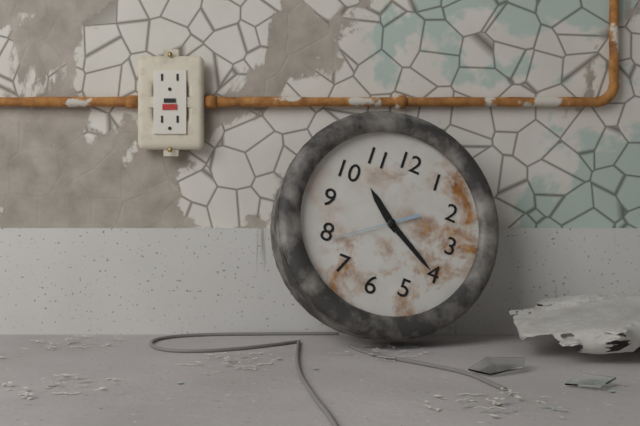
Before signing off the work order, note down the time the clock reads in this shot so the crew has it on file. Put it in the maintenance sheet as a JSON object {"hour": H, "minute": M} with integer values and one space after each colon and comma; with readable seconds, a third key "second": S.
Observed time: {"hour": 10, "minute": 20, "second": 39}
